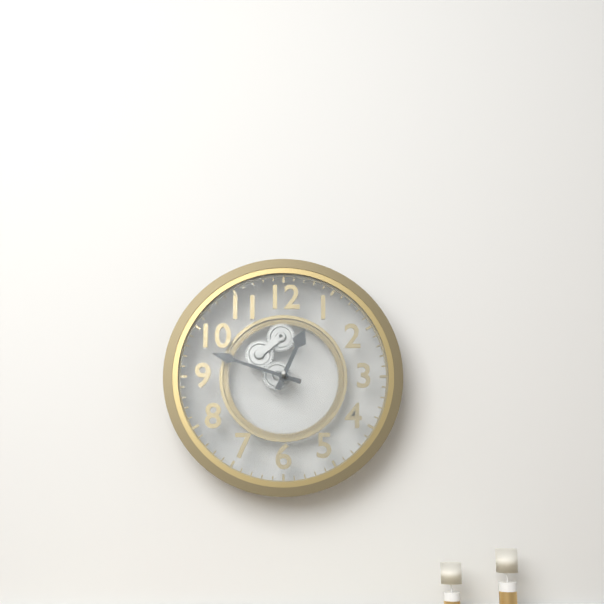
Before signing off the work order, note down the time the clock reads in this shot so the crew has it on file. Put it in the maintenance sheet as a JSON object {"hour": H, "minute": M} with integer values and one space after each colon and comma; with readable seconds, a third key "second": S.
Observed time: {"hour": 12, "minute": 48}
